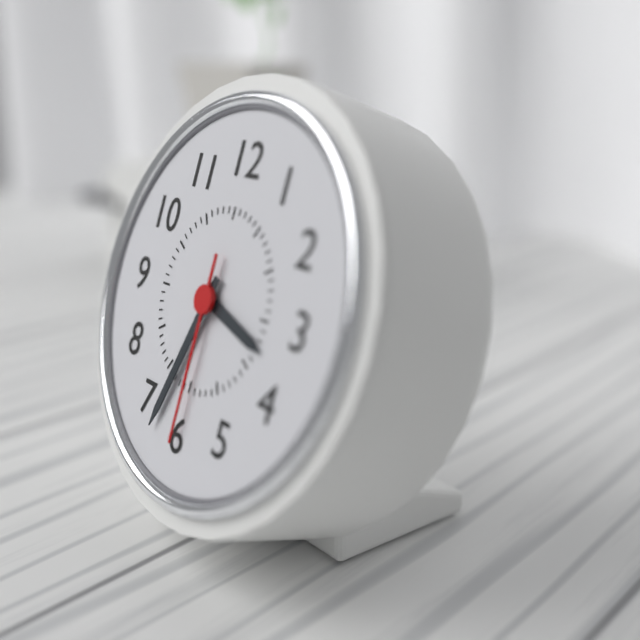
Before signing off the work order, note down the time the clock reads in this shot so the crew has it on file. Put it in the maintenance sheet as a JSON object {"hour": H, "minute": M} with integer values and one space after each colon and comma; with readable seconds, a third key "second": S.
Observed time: {"hour": 3, "minute": 33, "second": 30}
